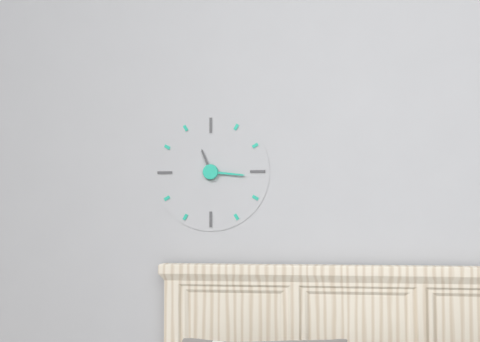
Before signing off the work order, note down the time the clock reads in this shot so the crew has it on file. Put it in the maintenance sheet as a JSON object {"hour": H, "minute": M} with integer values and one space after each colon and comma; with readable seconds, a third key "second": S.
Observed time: {"hour": 11, "minute": 16}
